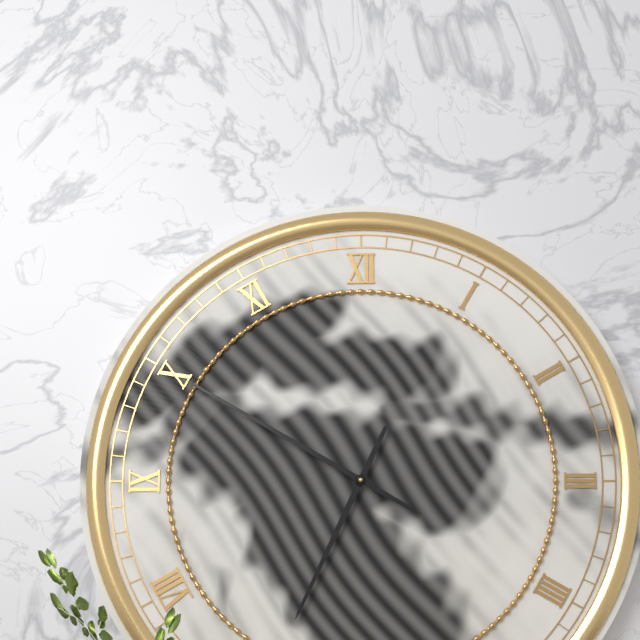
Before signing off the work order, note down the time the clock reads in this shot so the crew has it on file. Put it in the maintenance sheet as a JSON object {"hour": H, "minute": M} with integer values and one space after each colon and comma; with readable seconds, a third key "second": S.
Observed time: {"hour": 6, "minute": 50}
